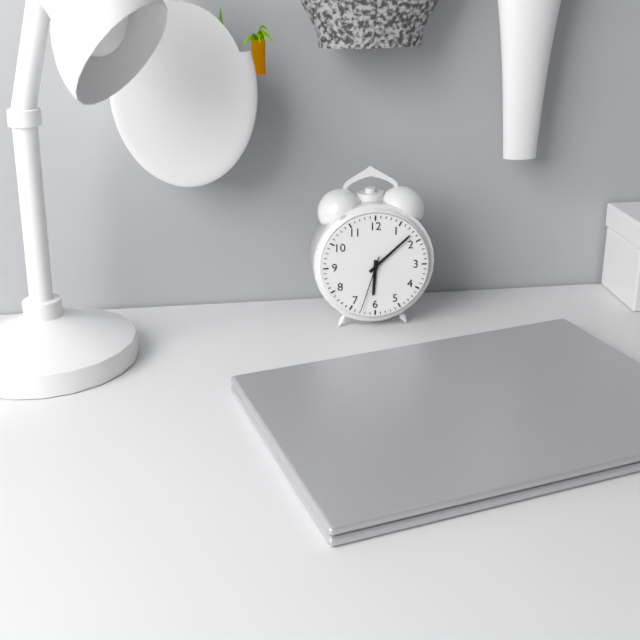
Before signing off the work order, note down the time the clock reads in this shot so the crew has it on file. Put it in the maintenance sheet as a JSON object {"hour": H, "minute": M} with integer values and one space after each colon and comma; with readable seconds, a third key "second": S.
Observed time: {"hour": 6, "minute": 8, "second": 33}
